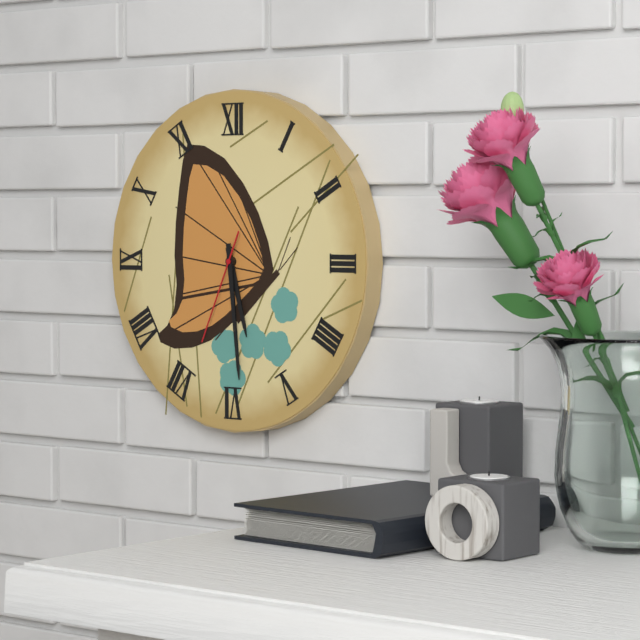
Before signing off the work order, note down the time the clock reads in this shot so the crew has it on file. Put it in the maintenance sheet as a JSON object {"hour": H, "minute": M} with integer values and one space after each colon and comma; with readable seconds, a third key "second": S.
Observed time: {"hour": 5, "minute": 29, "second": 34}
